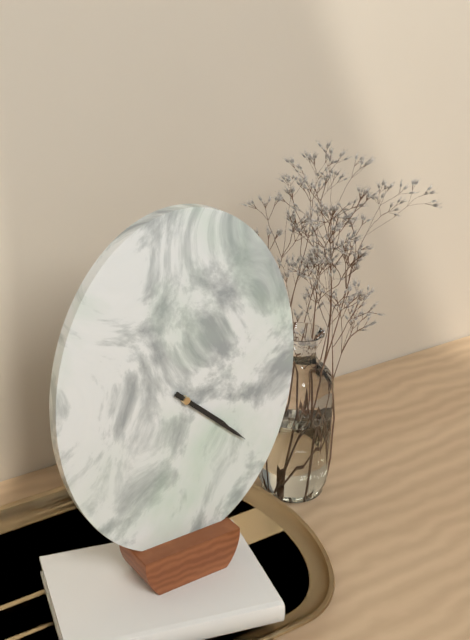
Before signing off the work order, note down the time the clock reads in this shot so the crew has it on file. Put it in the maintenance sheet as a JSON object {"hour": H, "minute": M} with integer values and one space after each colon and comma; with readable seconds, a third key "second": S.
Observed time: {"hour": 4, "minute": 22}
